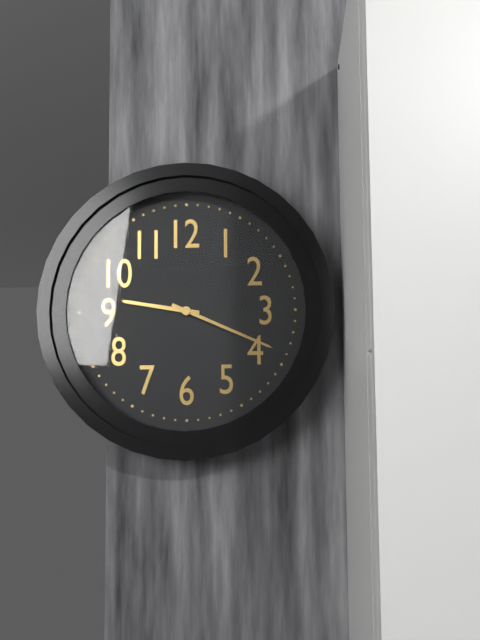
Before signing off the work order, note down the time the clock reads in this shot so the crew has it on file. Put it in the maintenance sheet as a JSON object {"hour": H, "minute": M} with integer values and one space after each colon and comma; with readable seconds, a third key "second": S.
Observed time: {"hour": 9, "minute": 19}
